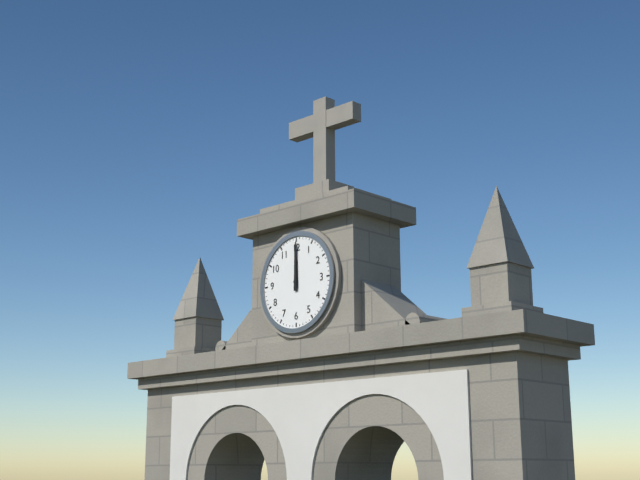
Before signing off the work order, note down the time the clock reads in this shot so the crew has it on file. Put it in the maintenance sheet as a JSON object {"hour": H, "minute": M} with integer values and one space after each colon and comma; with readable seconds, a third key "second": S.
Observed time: {"hour": 12, "minute": 0}
